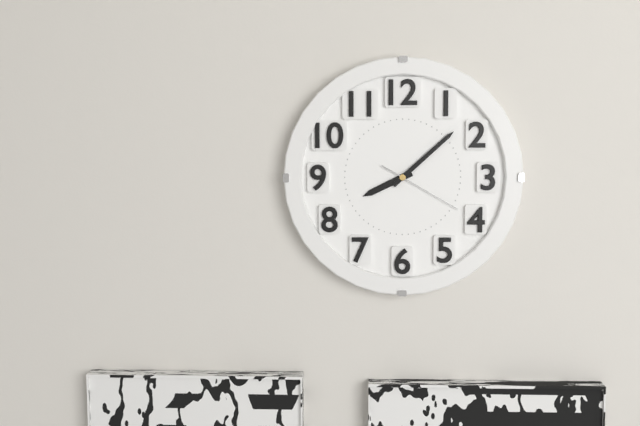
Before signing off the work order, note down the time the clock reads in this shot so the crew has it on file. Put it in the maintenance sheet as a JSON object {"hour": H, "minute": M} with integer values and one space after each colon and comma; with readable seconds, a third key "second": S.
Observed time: {"hour": 8, "minute": 8, "second": 20}
